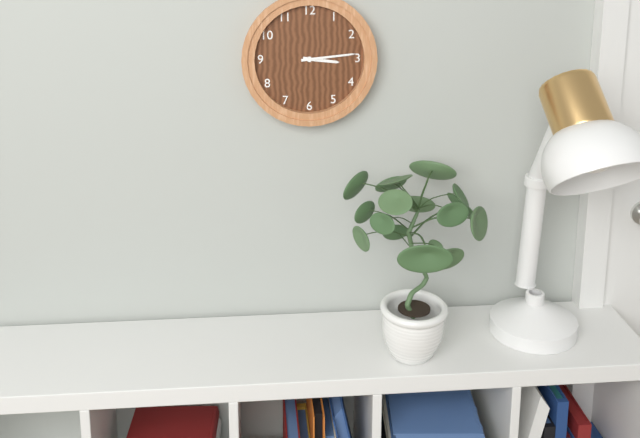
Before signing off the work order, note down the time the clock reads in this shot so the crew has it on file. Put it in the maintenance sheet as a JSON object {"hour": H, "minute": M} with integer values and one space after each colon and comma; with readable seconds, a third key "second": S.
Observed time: {"hour": 3, "minute": 14}
